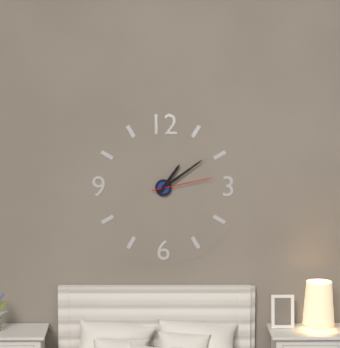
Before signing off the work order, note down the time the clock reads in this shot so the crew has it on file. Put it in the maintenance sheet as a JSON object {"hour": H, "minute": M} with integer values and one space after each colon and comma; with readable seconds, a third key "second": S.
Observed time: {"hour": 1, "minute": 9, "second": 13}
